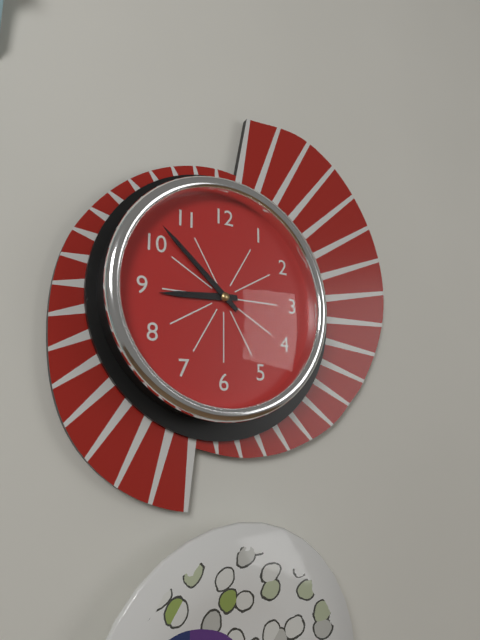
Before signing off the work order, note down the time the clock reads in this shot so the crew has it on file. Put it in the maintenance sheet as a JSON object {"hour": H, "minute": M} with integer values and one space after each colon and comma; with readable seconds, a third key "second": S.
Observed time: {"hour": 8, "minute": 52}
